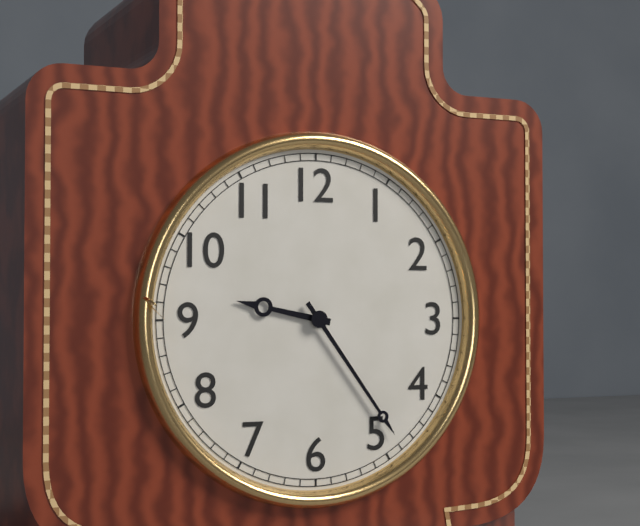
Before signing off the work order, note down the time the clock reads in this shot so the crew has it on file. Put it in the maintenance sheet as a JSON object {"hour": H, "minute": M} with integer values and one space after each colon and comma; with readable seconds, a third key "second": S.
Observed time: {"hour": 9, "minute": 24}
